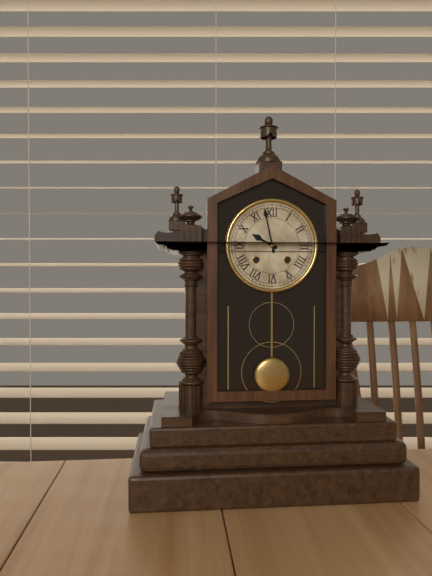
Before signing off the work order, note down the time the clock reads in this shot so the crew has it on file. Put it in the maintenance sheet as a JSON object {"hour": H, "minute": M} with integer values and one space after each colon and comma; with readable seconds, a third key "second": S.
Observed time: {"hour": 9, "minute": 58}
